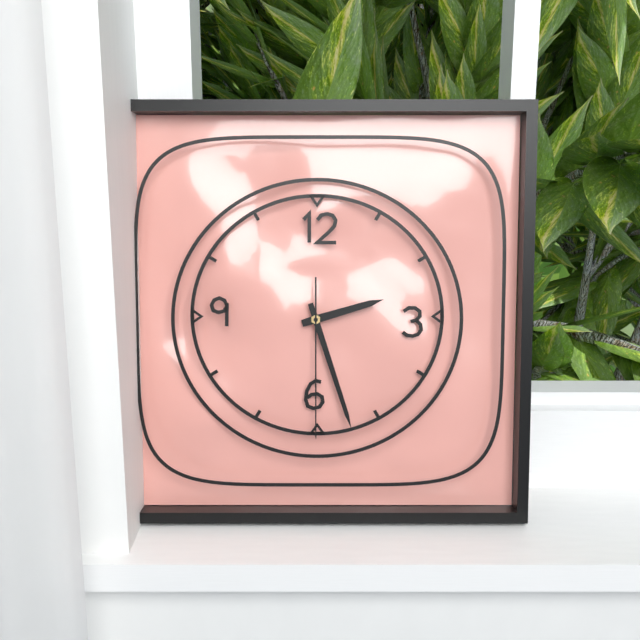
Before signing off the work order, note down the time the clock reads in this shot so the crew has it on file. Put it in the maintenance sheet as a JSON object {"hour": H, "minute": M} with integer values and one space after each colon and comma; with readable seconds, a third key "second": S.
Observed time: {"hour": 2, "minute": 27, "second": 30}
